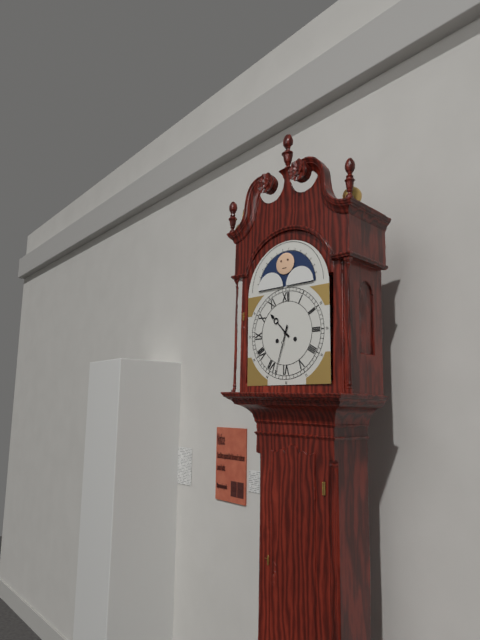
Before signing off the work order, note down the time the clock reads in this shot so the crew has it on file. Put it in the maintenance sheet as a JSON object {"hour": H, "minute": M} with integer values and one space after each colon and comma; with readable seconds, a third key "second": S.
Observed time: {"hour": 10, "minute": 33}
